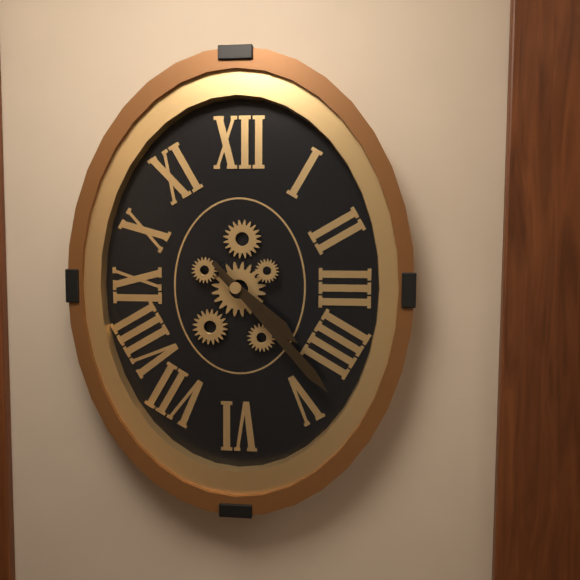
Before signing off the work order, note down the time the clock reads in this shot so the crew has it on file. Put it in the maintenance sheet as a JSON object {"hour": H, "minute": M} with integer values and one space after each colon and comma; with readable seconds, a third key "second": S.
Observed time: {"hour": 4, "minute": 23}
